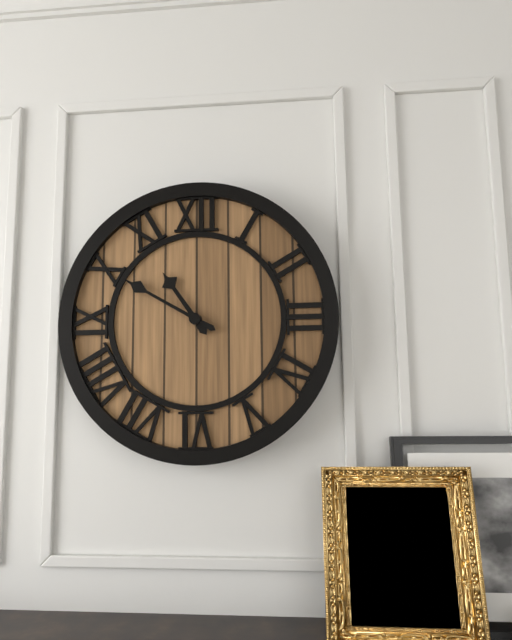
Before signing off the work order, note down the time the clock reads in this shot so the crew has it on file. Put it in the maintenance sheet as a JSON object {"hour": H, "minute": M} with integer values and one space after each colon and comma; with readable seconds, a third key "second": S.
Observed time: {"hour": 10, "minute": 50}
